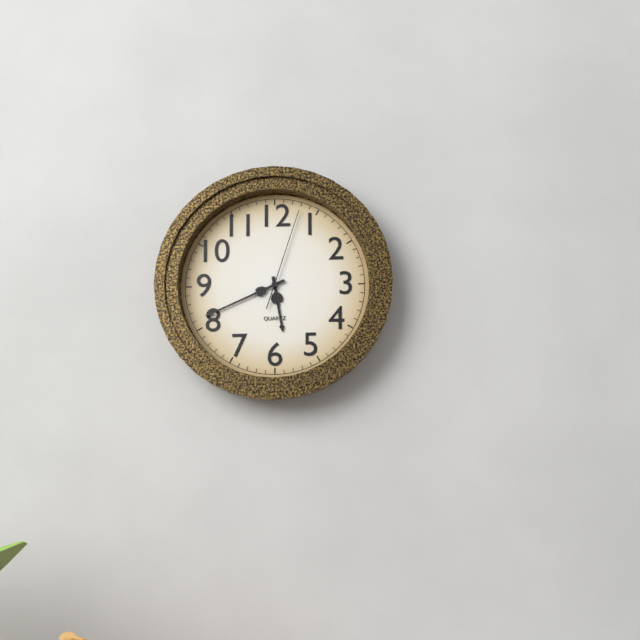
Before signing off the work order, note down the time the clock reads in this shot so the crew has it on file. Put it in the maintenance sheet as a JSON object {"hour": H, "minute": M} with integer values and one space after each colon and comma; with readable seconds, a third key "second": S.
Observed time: {"hour": 5, "minute": 41, "second": 3}
